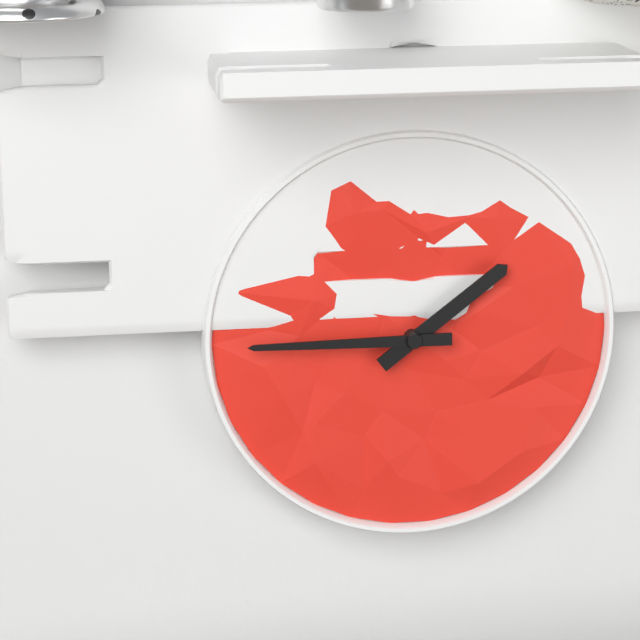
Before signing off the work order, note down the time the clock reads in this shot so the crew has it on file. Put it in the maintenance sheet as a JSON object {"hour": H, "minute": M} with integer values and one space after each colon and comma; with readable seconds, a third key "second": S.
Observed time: {"hour": 1, "minute": 45}
